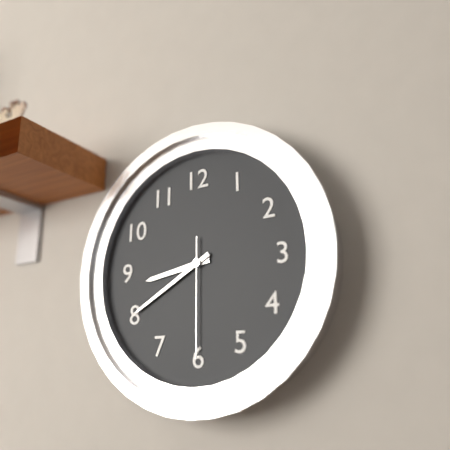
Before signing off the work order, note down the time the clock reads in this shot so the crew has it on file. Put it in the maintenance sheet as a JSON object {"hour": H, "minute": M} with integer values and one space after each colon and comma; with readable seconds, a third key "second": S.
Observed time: {"hour": 8, "minute": 40, "second": 30}
